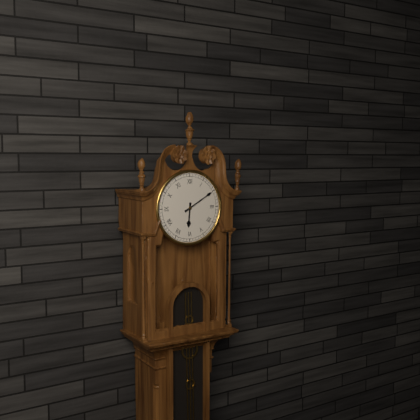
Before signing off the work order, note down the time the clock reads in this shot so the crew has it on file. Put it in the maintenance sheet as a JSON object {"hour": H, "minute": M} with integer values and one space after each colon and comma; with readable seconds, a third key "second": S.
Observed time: {"hour": 6, "minute": 10}
